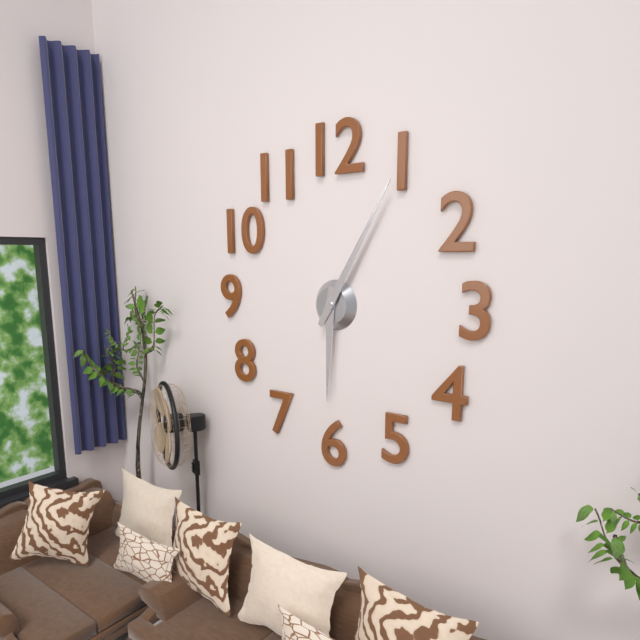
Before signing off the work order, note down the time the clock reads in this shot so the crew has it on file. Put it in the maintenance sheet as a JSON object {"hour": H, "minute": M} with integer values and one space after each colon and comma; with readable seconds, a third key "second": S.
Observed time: {"hour": 6, "minute": 5}
